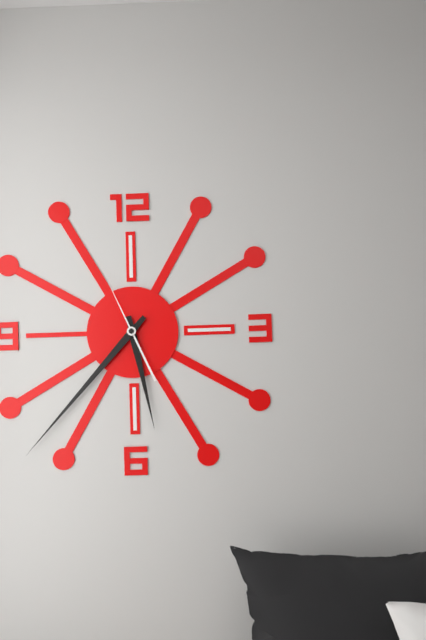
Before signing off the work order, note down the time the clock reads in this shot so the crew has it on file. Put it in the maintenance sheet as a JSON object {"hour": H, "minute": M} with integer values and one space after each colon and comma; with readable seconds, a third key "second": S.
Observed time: {"hour": 5, "minute": 37, "second": 56}
